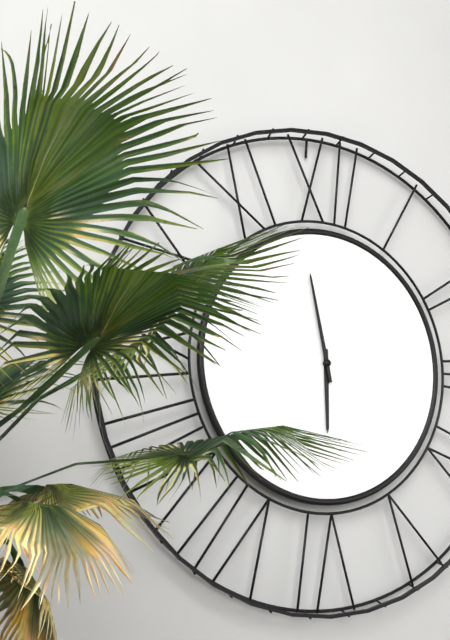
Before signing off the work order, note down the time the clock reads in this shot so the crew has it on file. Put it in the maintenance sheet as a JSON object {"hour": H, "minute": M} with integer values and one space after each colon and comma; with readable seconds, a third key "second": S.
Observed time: {"hour": 5, "minute": 58}
